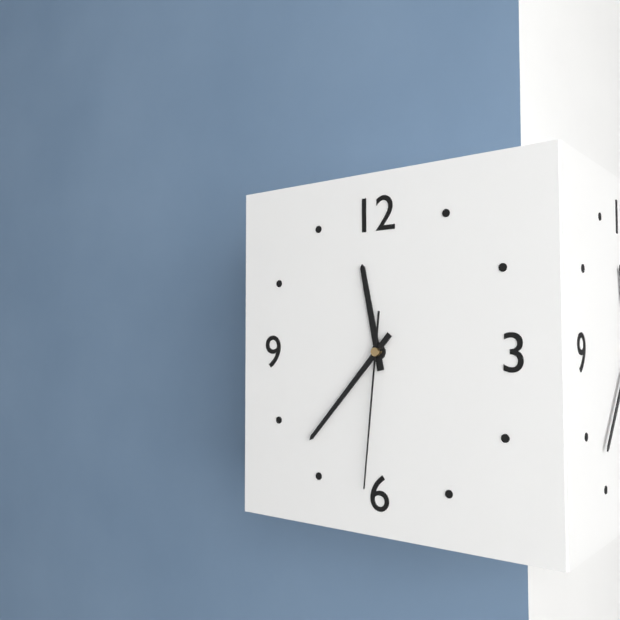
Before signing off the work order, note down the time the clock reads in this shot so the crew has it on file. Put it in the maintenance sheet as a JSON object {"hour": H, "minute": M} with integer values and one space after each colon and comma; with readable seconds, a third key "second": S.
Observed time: {"hour": 11, "minute": 37, "second": 31}
